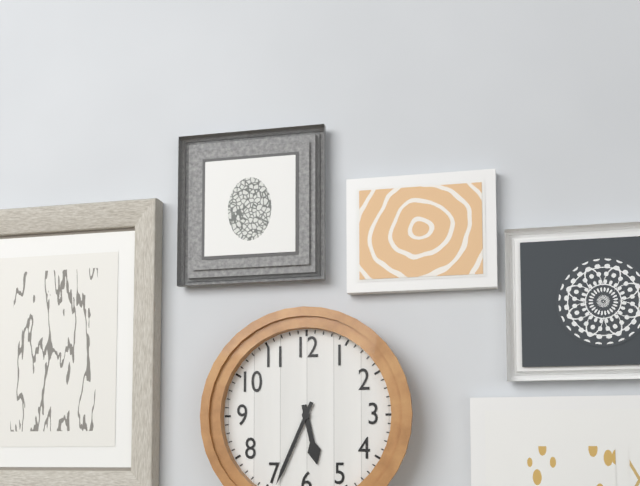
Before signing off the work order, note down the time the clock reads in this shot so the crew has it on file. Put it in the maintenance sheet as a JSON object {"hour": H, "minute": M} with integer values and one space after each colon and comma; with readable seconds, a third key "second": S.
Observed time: {"hour": 5, "minute": 34}
